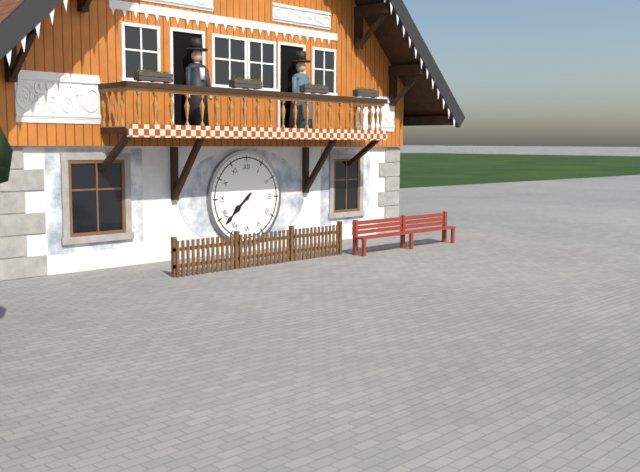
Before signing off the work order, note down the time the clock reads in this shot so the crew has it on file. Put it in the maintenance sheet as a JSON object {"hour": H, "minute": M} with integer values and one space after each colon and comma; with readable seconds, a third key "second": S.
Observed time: {"hour": 7, "minute": 38}
